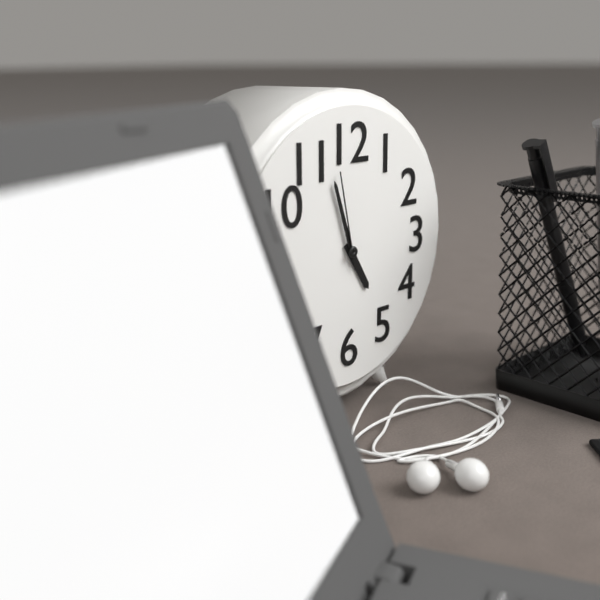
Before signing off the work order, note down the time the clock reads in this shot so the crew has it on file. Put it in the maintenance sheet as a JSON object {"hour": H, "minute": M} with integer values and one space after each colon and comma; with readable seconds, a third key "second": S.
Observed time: {"hour": 4, "minute": 57, "second": 58}
